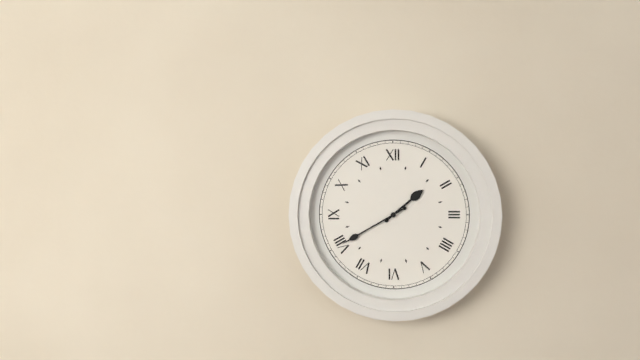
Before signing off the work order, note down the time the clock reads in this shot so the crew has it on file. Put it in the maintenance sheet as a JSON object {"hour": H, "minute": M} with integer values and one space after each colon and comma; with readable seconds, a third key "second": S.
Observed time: {"hour": 1, "minute": 40}
